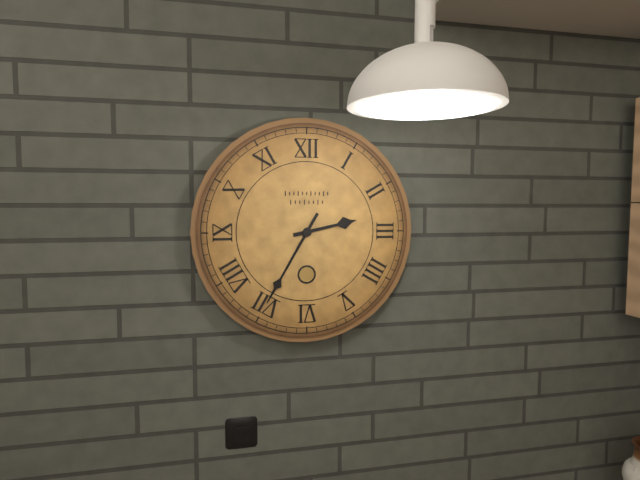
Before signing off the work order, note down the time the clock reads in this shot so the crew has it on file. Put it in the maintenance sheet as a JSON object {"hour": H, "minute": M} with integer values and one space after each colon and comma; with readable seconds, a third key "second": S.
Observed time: {"hour": 2, "minute": 35}
